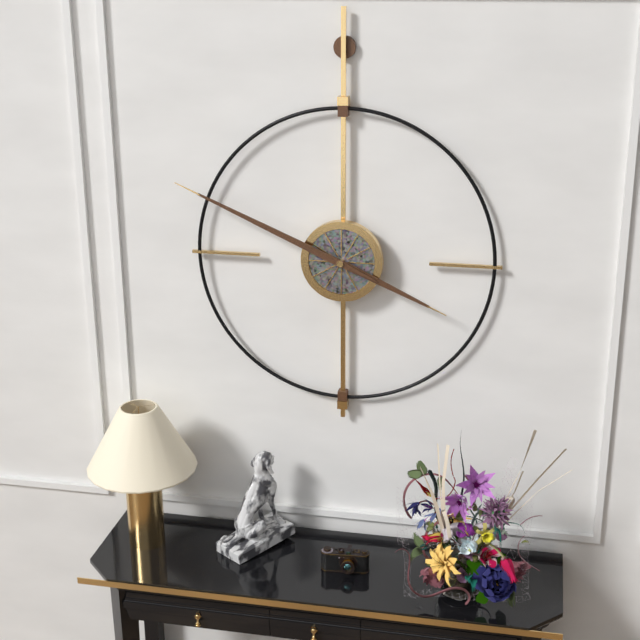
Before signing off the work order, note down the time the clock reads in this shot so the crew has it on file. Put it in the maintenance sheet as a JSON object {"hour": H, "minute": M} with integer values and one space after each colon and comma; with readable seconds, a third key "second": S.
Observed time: {"hour": 3, "minute": 49}
